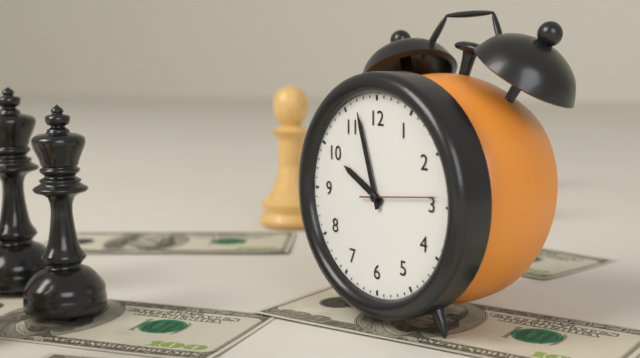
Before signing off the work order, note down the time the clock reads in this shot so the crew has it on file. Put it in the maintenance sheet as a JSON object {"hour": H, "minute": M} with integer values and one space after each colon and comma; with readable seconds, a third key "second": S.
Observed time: {"hour": 9, "minute": 57, "second": 14}
